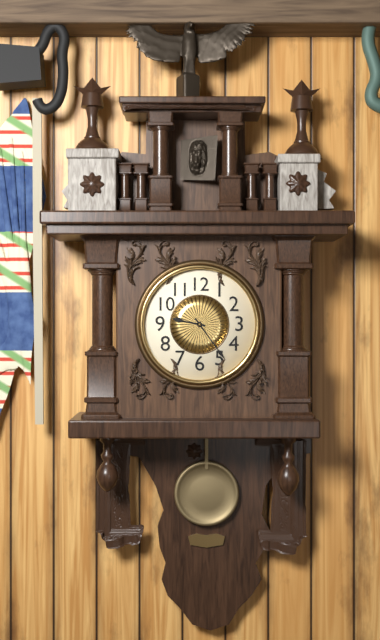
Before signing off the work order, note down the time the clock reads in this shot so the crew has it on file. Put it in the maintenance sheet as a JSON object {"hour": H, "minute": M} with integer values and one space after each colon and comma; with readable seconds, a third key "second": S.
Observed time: {"hour": 9, "minute": 24}
